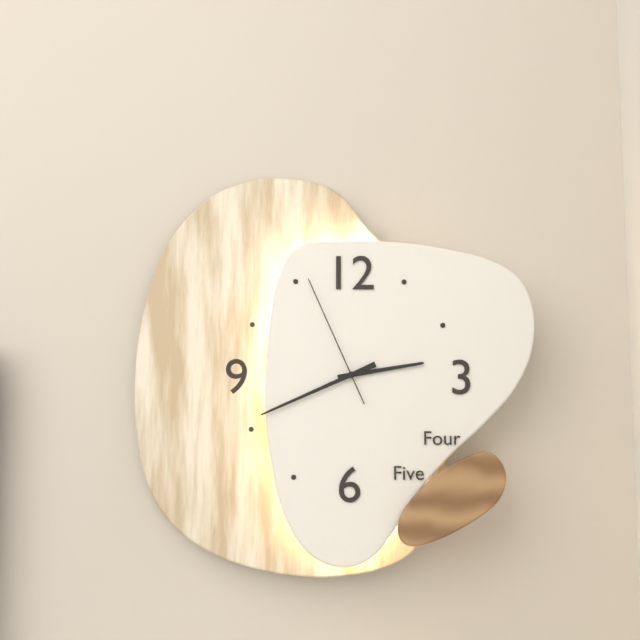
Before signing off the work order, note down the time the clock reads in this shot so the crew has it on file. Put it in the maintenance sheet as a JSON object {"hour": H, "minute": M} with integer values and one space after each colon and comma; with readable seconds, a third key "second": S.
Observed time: {"hour": 2, "minute": 41, "second": 56}
